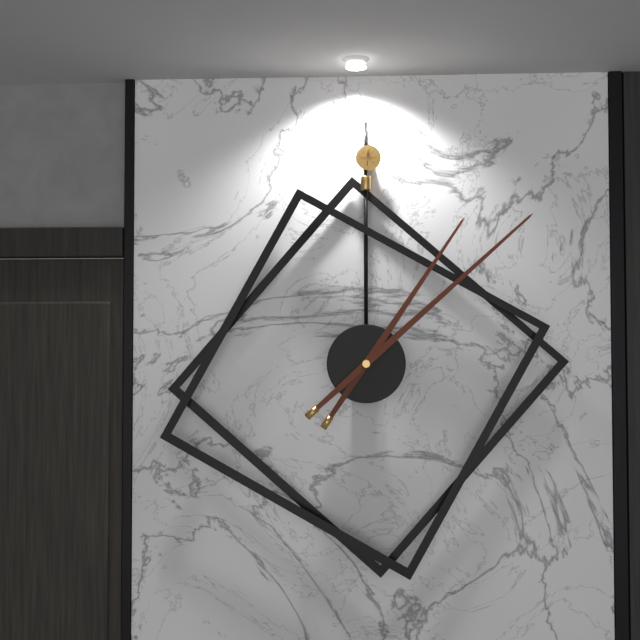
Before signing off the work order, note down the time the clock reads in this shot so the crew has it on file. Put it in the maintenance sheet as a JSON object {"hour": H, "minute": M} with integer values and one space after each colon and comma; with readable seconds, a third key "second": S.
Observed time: {"hour": 1, "minute": 8}
